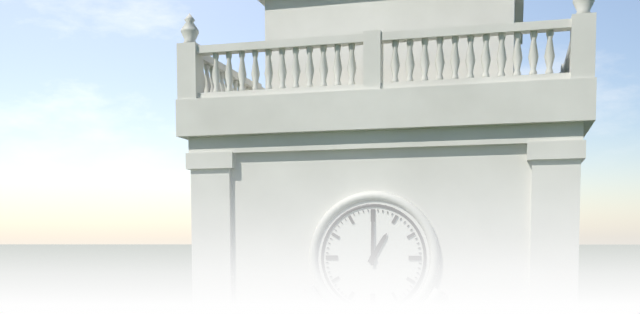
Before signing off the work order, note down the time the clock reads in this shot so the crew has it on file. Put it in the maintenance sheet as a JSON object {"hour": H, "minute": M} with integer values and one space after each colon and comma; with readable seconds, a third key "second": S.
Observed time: {"hour": 1, "minute": 0}
